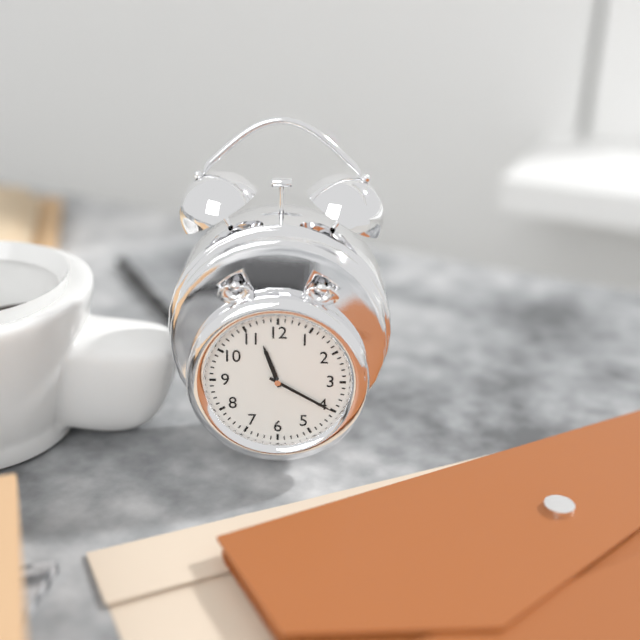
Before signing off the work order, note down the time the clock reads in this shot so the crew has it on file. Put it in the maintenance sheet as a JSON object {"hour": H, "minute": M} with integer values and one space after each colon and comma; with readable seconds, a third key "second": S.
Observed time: {"hour": 11, "minute": 20}
